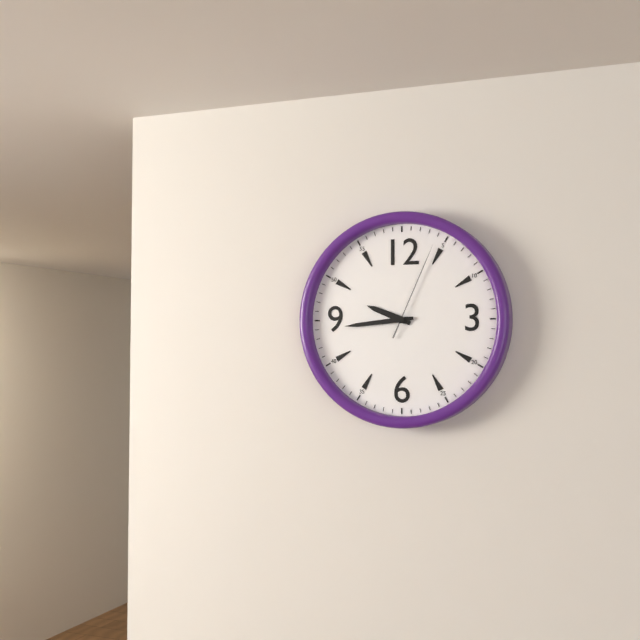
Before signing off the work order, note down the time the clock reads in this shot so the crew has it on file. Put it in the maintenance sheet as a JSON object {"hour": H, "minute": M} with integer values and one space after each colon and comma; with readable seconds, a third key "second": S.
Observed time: {"hour": 9, "minute": 44, "second": 4}
